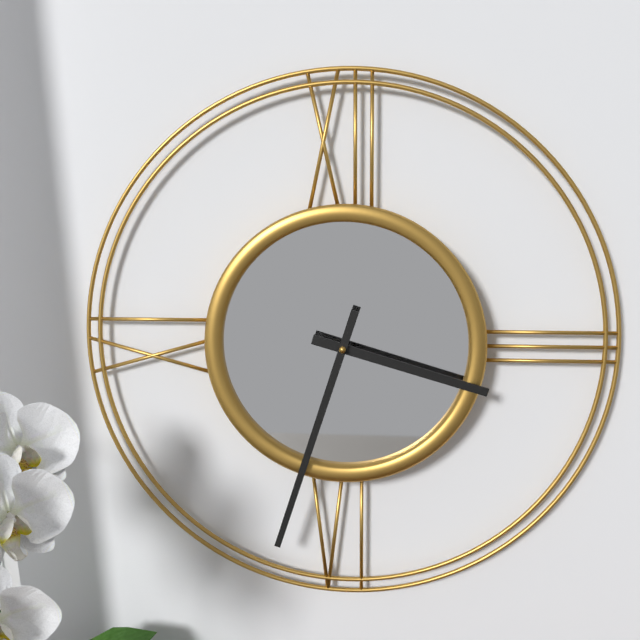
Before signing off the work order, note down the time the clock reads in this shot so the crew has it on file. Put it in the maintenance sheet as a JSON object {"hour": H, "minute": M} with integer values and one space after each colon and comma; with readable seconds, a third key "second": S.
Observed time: {"hour": 3, "minute": 33}
